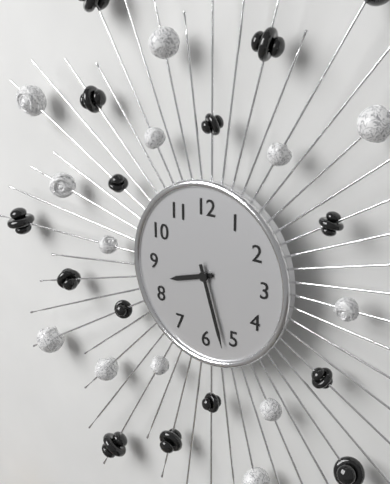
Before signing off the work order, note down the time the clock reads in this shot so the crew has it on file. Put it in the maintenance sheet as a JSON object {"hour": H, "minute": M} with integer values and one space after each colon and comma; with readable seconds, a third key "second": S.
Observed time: {"hour": 8, "minute": 27}
